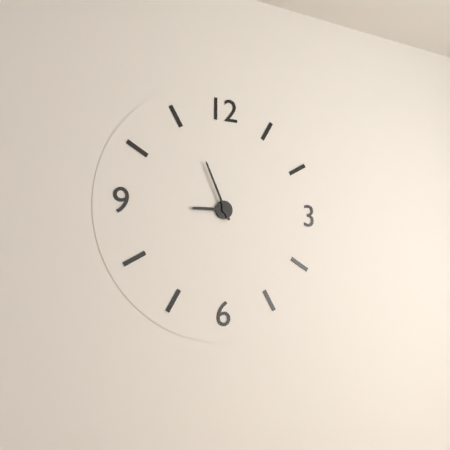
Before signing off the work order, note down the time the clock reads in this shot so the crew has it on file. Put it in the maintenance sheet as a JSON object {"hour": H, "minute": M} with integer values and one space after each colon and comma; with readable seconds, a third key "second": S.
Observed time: {"hour": 8, "minute": 56}
